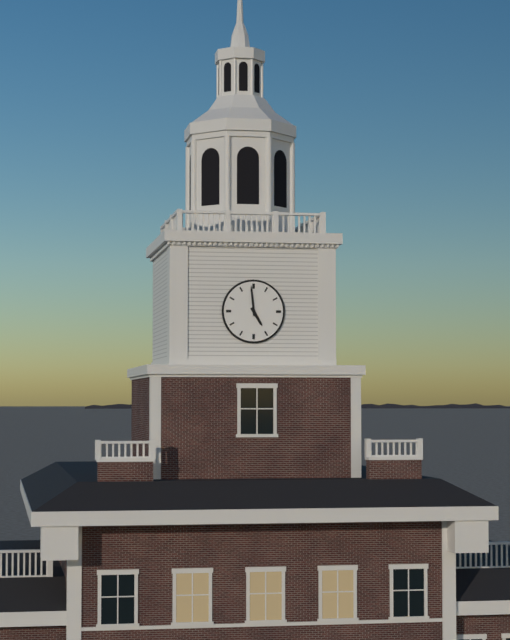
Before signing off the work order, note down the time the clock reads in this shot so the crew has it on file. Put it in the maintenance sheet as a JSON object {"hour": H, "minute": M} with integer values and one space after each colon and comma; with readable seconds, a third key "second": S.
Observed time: {"hour": 4, "minute": 59}
